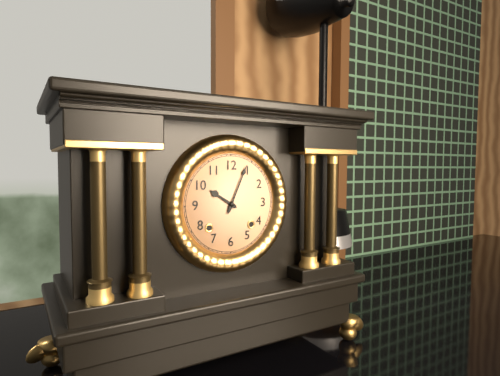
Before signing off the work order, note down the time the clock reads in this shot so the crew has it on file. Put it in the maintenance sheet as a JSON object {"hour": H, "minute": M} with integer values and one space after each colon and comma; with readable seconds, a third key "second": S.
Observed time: {"hour": 10, "minute": 4}
